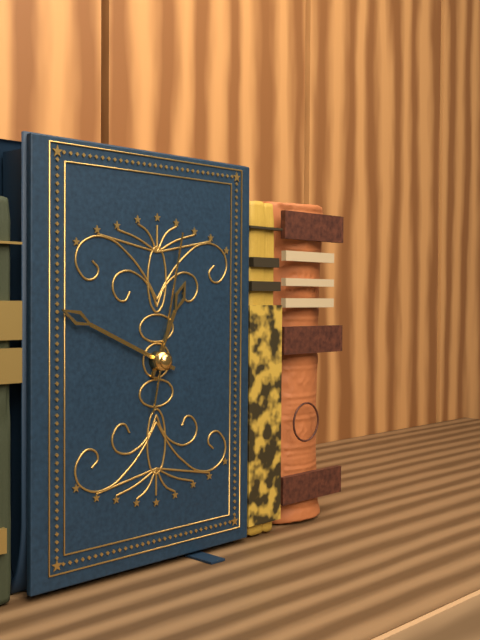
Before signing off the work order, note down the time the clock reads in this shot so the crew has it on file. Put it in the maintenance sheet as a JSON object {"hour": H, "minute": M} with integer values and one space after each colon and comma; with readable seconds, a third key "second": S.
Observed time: {"hour": 12, "minute": 49, "second": 2}
